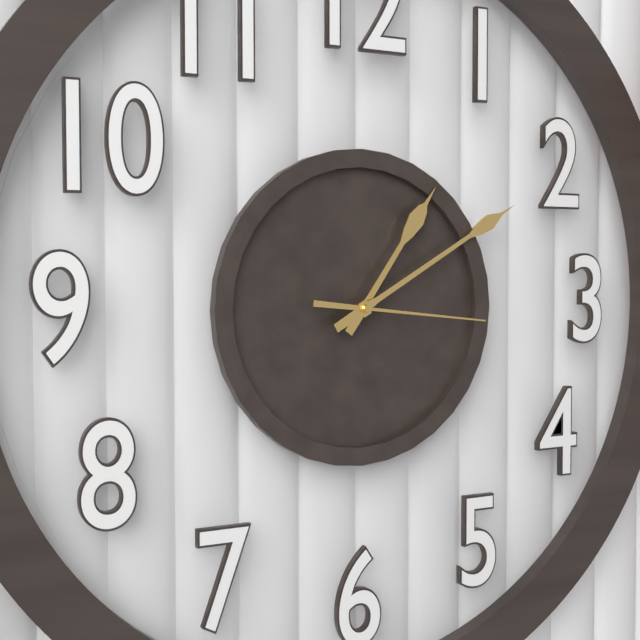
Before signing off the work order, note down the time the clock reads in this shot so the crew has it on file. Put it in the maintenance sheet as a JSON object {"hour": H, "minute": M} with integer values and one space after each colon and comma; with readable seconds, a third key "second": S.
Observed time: {"hour": 1, "minute": 10, "second": 16}
